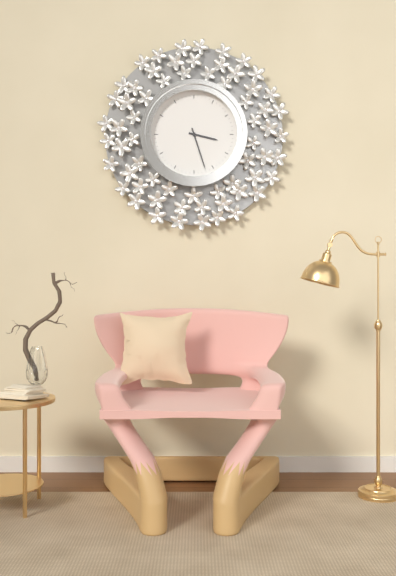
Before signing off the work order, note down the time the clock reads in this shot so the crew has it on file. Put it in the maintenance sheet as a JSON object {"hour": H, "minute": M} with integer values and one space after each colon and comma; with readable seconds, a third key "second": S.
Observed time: {"hour": 3, "minute": 27}
